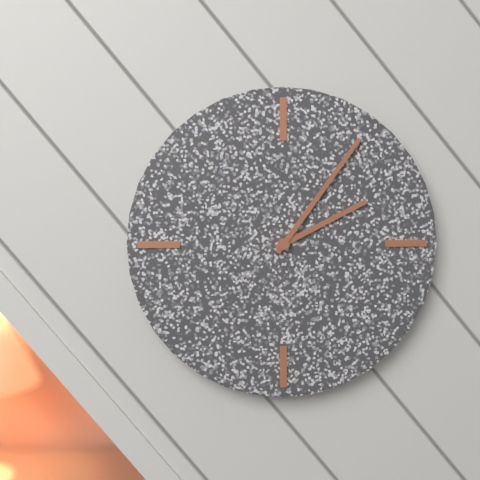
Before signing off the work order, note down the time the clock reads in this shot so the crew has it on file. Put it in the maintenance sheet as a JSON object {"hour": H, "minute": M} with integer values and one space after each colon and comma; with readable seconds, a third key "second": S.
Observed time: {"hour": 2, "minute": 6}
